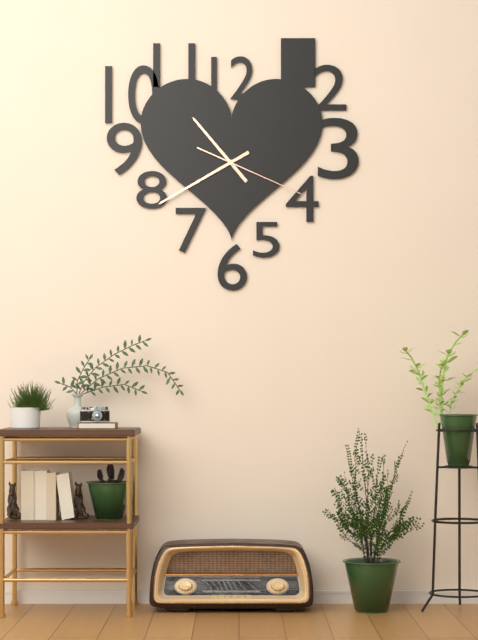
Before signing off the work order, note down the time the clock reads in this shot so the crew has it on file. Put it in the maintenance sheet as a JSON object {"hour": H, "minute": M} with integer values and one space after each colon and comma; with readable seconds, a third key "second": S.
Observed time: {"hour": 10, "minute": 40, "second": 19}
